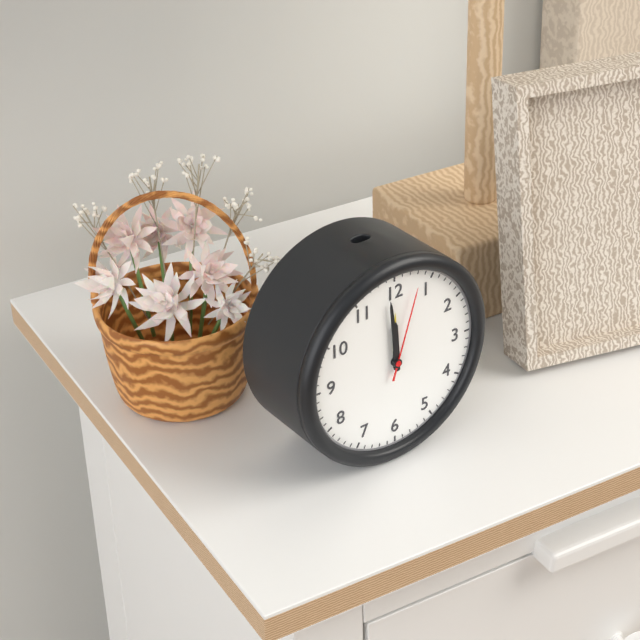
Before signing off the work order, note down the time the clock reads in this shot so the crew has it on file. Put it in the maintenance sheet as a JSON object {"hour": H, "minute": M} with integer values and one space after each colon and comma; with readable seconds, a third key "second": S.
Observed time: {"hour": 11, "minute": 59, "second": 3}
